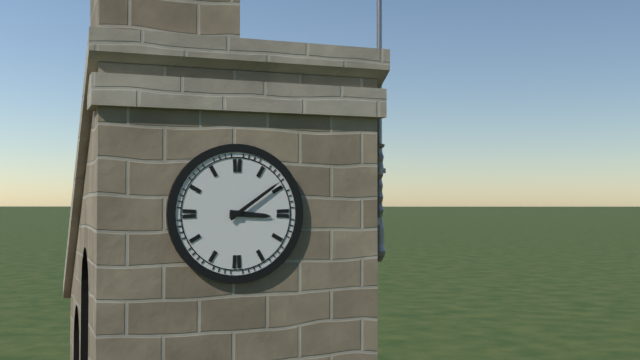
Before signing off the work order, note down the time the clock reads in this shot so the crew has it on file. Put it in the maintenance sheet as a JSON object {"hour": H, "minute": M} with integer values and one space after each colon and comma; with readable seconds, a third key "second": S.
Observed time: {"hour": 3, "minute": 9}
